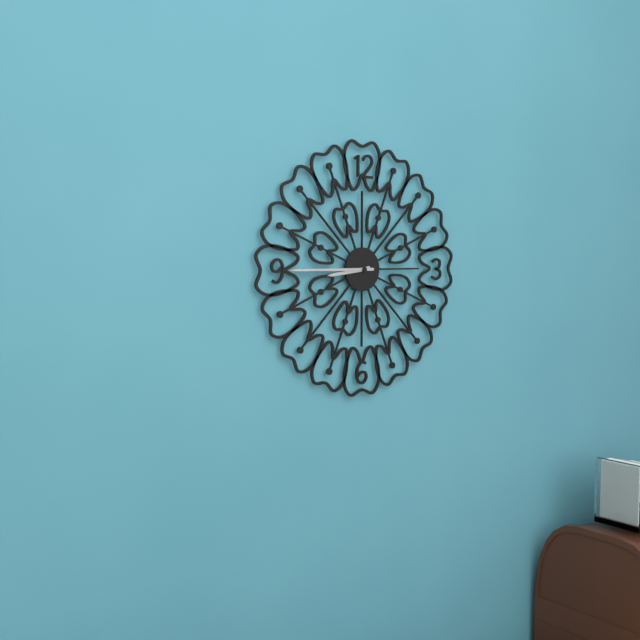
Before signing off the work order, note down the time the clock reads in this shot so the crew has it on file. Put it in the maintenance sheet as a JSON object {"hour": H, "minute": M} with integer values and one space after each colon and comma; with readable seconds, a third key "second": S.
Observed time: {"hour": 8, "minute": 45}
